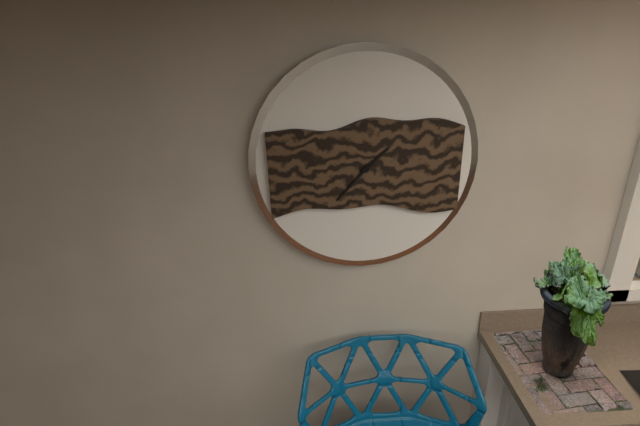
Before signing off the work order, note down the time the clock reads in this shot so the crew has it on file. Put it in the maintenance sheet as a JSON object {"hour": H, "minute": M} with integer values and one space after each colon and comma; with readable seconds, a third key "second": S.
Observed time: {"hour": 1, "minute": 37}
